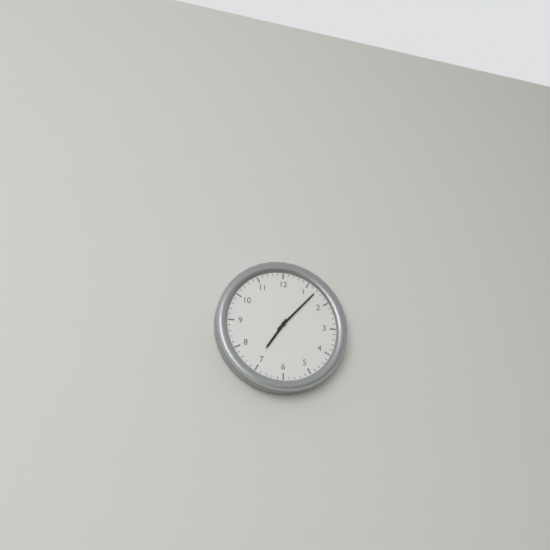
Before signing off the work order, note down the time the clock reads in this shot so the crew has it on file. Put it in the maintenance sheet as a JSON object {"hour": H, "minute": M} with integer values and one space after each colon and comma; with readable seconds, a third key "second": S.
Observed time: {"hour": 7, "minute": 7}
